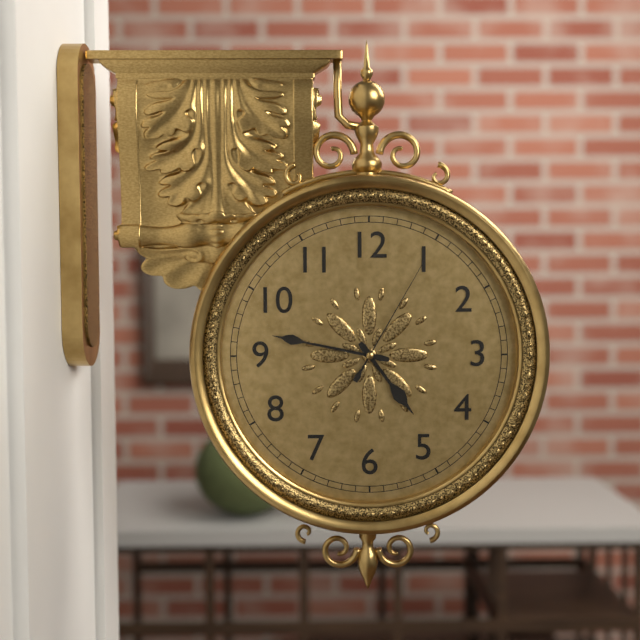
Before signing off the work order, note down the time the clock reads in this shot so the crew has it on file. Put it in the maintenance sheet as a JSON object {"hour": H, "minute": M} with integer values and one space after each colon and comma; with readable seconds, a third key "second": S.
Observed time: {"hour": 4, "minute": 47, "second": 5}
